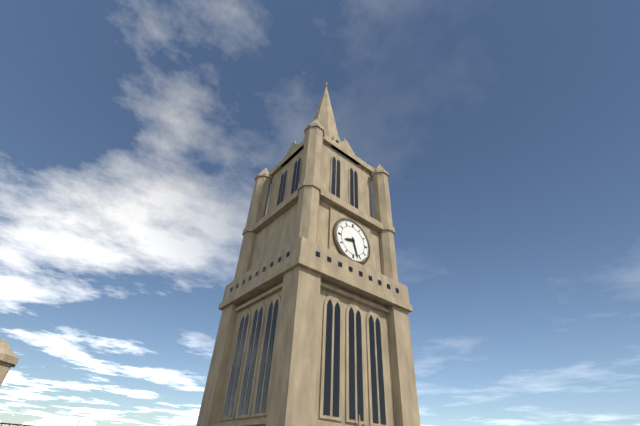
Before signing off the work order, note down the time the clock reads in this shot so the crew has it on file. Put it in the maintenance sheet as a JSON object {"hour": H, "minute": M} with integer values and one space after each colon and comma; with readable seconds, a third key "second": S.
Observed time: {"hour": 8, "minute": 27}
